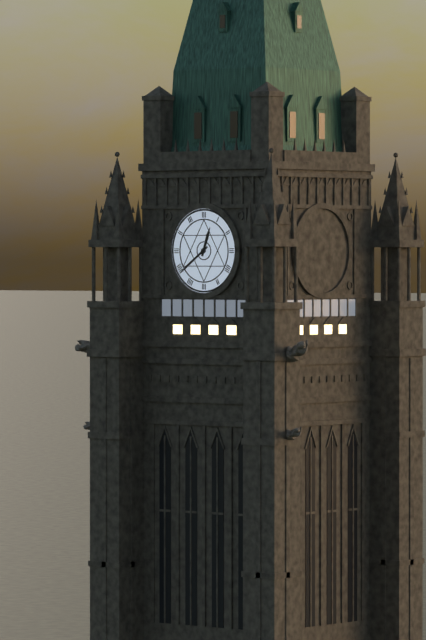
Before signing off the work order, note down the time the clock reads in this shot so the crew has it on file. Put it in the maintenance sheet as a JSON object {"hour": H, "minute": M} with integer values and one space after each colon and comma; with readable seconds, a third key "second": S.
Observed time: {"hour": 12, "minute": 39}
